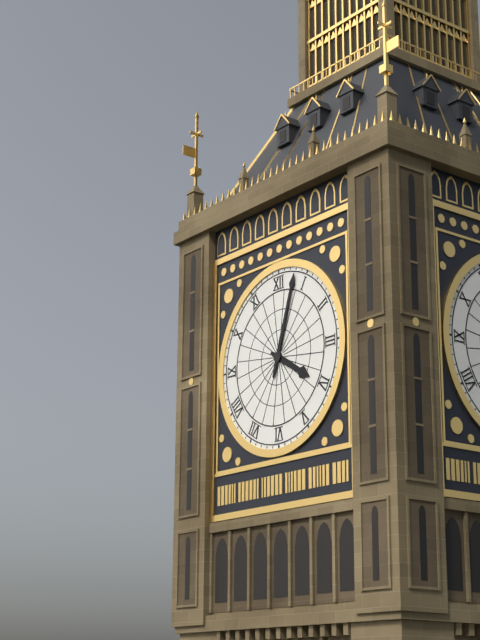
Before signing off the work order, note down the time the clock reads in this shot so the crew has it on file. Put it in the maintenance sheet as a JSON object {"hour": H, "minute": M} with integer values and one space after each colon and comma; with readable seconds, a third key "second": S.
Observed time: {"hour": 4, "minute": 3}
